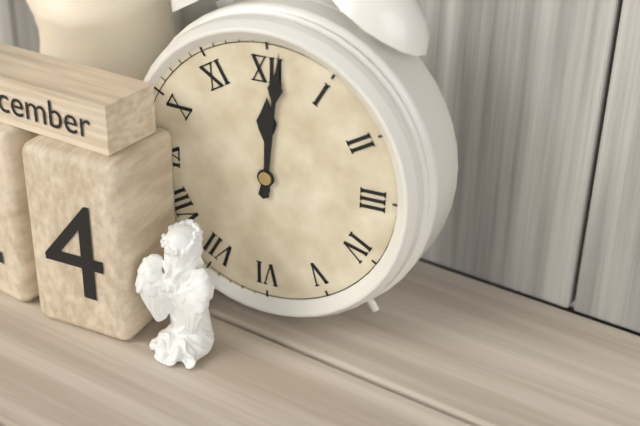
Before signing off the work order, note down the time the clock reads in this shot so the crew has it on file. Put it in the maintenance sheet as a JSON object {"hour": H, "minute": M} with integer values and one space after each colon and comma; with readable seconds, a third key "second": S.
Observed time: {"hour": 12, "minute": 1}
